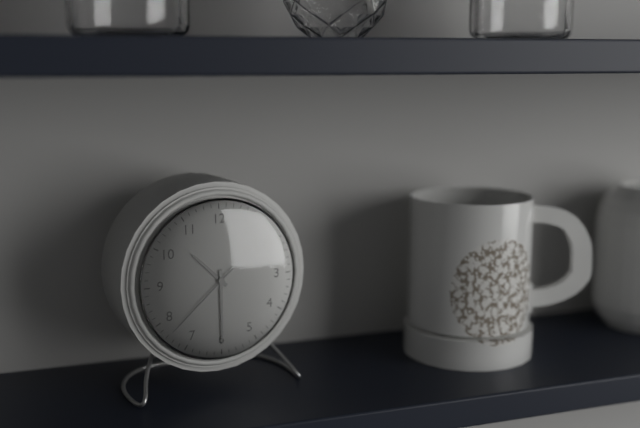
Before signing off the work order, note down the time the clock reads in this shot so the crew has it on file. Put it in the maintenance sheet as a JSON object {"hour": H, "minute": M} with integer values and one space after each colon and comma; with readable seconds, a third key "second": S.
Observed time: {"hour": 10, "minute": 30, "second": 38}
